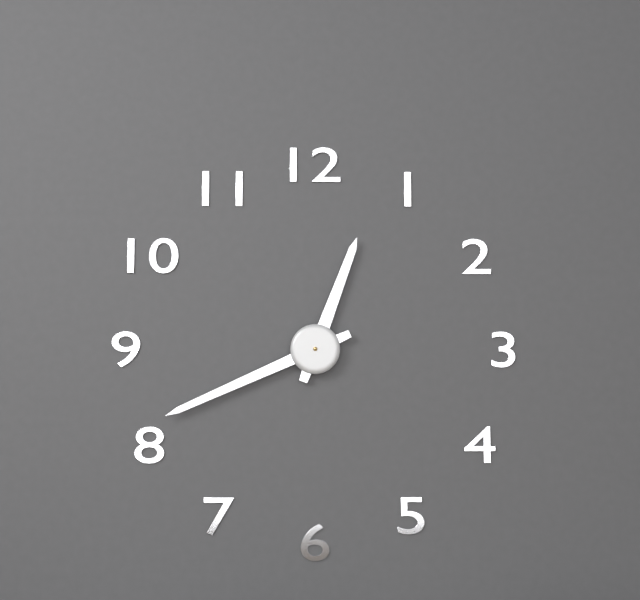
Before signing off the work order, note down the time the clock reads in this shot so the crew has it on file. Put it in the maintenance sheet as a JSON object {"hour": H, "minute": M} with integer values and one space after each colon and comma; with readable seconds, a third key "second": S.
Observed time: {"hour": 12, "minute": 41}
